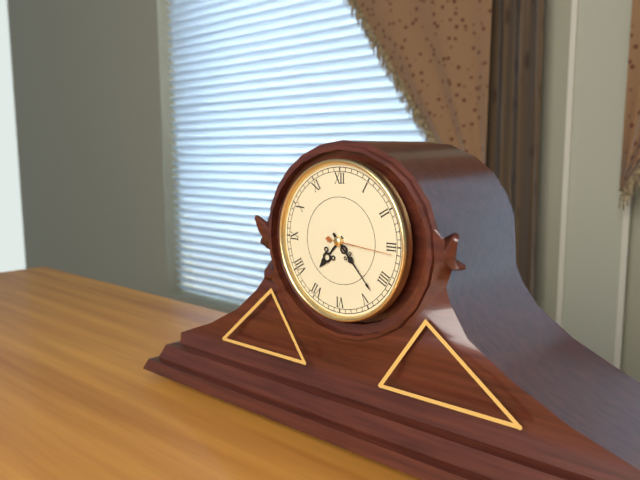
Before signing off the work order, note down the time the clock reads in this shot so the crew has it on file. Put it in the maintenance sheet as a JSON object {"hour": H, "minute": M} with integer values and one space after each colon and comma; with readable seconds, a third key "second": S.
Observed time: {"hour": 7, "minute": 23, "second": 16}
